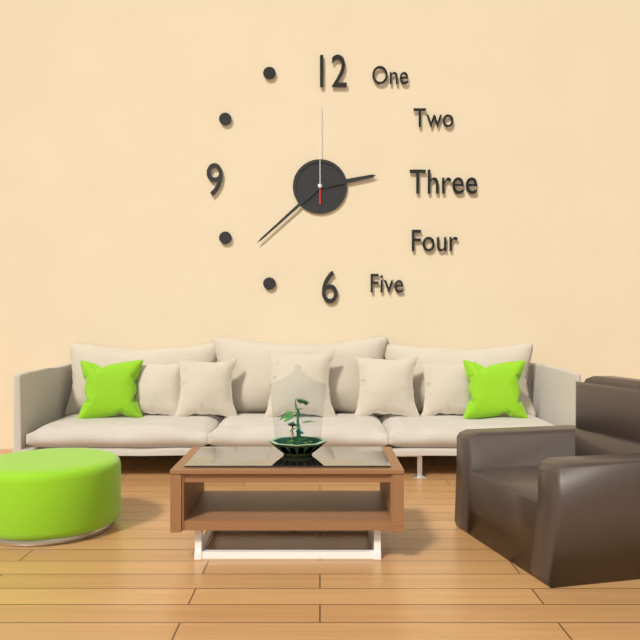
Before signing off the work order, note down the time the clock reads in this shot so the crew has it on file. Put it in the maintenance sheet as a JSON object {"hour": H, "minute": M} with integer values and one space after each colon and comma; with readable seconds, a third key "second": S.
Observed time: {"hour": 2, "minute": 38, "second": 0}
